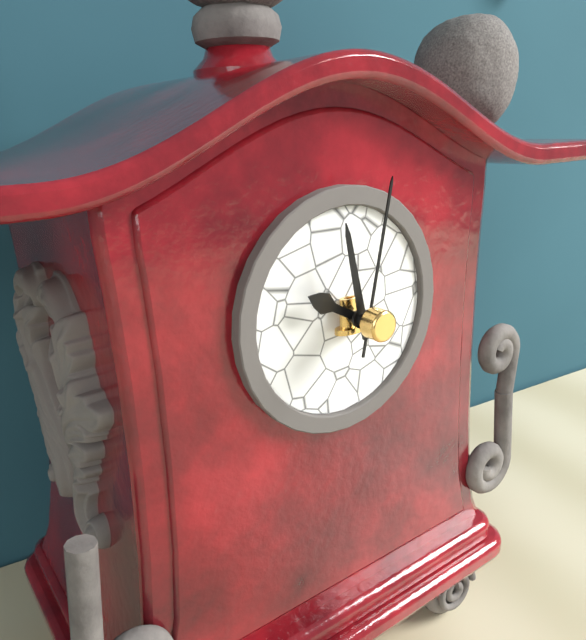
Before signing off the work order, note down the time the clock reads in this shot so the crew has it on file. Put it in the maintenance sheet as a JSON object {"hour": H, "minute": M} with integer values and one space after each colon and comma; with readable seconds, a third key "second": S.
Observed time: {"hour": 9, "minute": 58, "second": 2}
